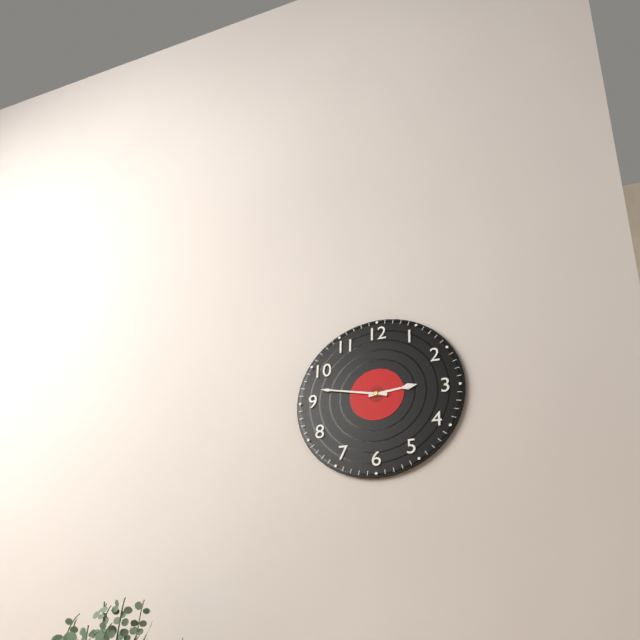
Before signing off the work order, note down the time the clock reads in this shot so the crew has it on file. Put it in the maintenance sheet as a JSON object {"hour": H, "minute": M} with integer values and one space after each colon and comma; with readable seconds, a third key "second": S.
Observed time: {"hour": 2, "minute": 47}
